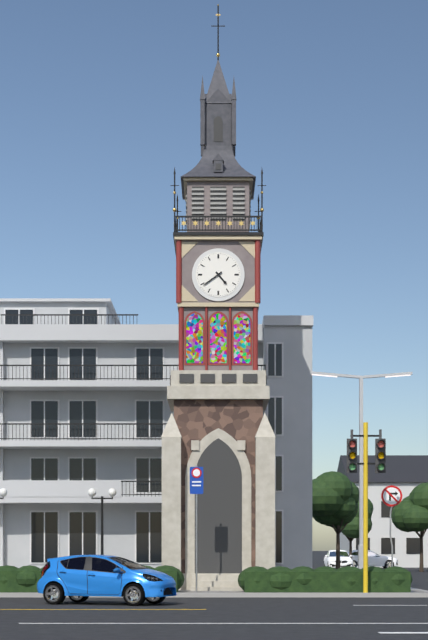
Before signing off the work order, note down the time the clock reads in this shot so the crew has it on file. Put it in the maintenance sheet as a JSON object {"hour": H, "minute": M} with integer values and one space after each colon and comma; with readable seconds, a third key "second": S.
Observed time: {"hour": 4, "minute": 39}
